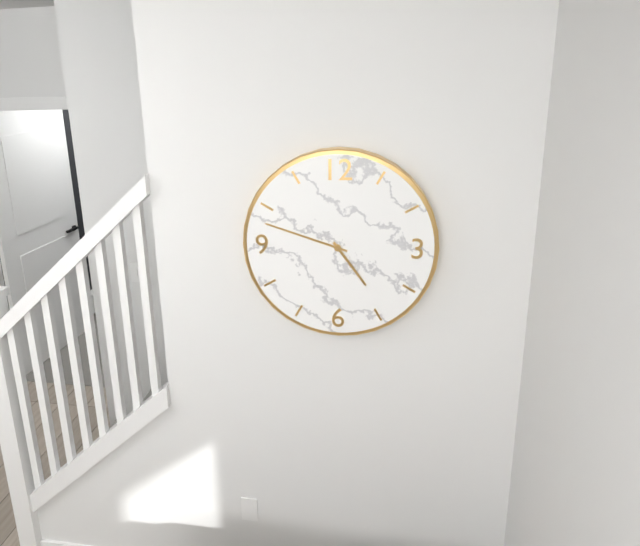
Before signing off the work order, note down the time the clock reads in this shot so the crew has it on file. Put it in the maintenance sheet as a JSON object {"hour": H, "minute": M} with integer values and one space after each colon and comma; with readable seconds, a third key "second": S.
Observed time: {"hour": 4, "minute": 48}
